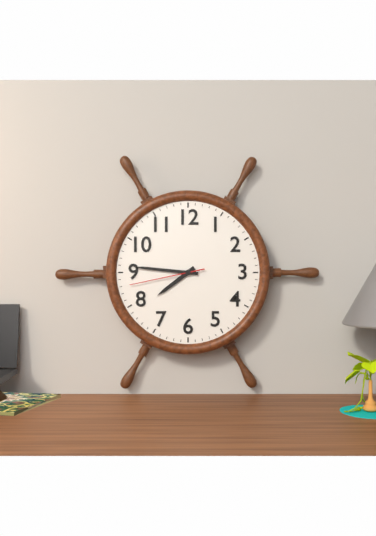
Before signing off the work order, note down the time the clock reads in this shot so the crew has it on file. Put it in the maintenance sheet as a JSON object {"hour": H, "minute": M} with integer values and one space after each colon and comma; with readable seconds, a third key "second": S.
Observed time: {"hour": 7, "minute": 46, "second": 43}
